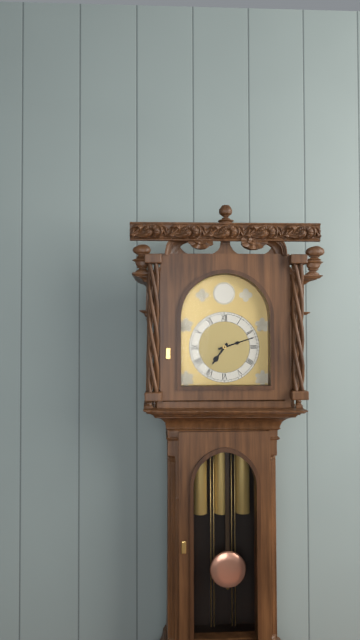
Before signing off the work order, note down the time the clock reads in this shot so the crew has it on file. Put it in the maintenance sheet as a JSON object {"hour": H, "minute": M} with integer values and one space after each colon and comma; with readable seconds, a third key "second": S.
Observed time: {"hour": 7, "minute": 12}
